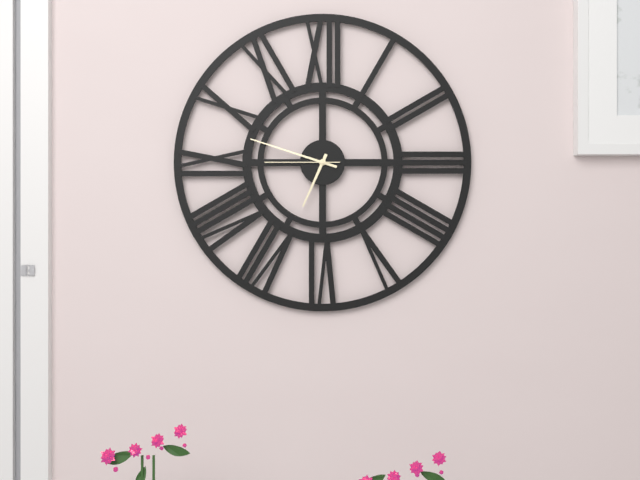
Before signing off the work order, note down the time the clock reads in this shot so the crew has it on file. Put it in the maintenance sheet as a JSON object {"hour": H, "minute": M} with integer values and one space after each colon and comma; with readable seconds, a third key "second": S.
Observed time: {"hour": 6, "minute": 48, "second": 45}
